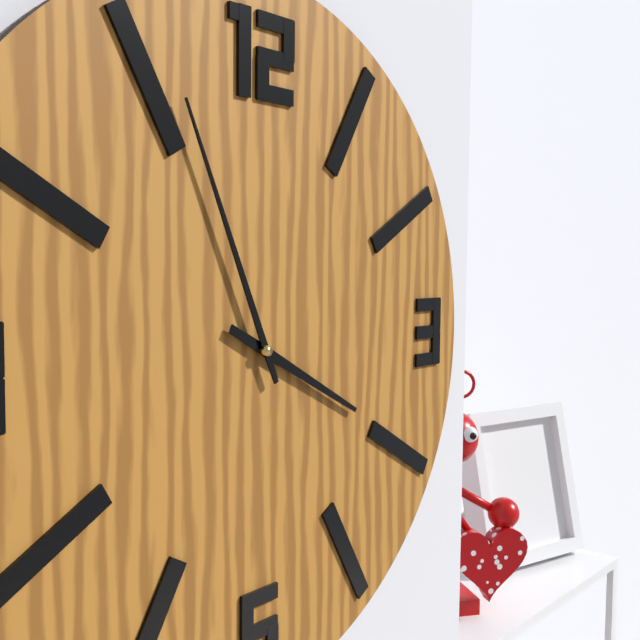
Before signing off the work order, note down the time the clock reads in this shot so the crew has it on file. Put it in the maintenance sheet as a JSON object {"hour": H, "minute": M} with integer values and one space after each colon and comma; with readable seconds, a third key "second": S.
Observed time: {"hour": 3, "minute": 56}
